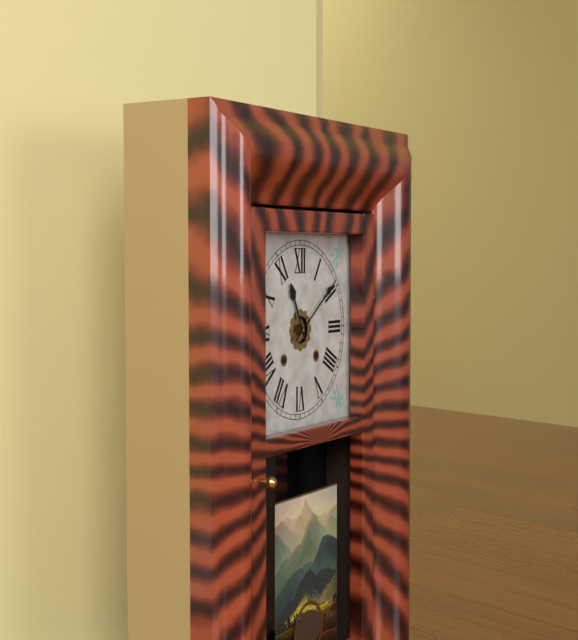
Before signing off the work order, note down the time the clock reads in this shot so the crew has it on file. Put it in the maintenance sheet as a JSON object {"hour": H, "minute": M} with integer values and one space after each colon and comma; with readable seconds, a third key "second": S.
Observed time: {"hour": 11, "minute": 9}
